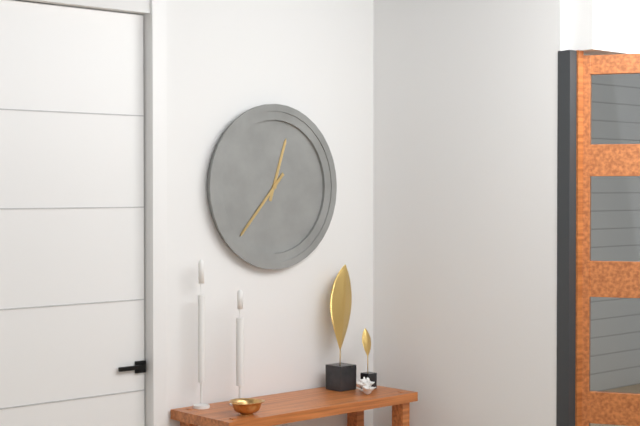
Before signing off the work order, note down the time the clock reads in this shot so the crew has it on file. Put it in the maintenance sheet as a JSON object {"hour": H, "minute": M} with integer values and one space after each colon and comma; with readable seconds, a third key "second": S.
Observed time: {"hour": 12, "minute": 37}
